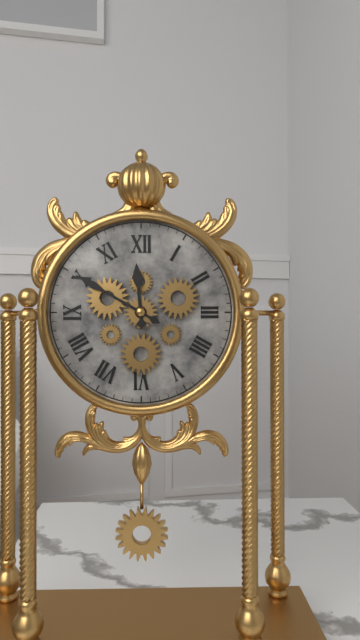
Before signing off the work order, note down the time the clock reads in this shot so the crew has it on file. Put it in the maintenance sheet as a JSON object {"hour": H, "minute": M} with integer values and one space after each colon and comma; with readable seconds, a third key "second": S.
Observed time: {"hour": 11, "minute": 50}
